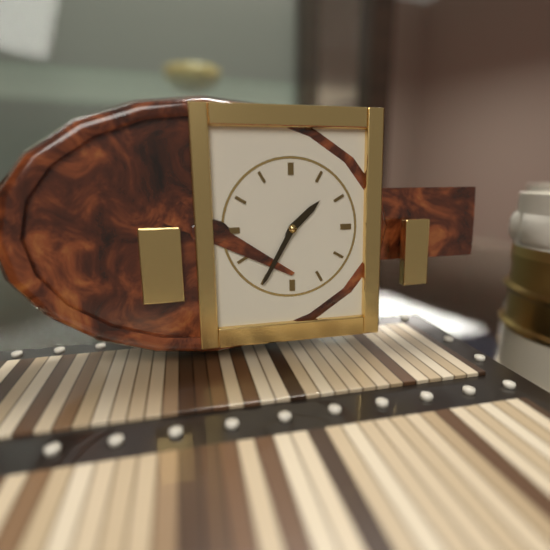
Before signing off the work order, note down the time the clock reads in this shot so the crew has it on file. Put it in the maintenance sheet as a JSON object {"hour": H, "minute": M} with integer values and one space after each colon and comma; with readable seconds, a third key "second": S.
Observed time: {"hour": 1, "minute": 35}
